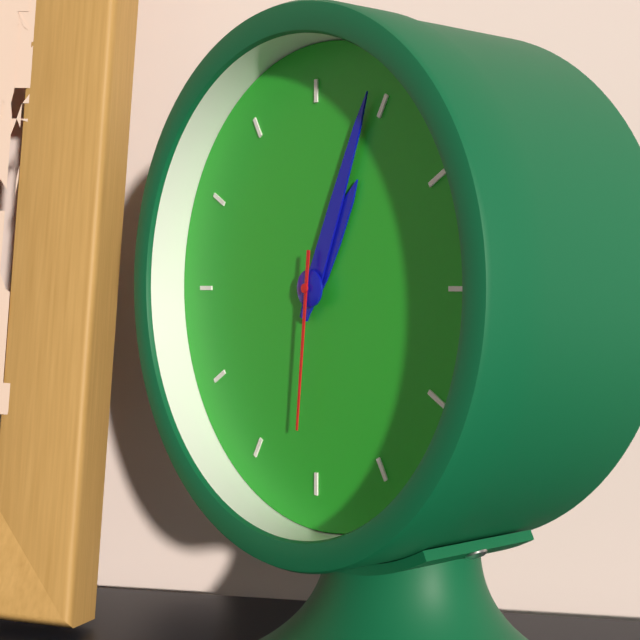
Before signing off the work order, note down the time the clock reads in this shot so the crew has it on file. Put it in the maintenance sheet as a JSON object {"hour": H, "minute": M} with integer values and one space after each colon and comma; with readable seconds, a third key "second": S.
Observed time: {"hour": 1, "minute": 4, "second": 31}
